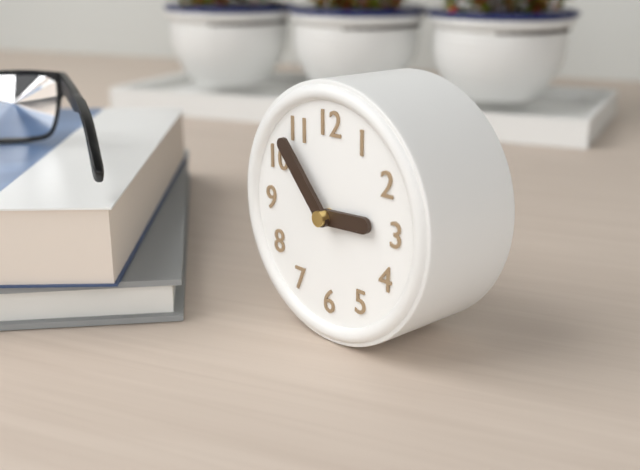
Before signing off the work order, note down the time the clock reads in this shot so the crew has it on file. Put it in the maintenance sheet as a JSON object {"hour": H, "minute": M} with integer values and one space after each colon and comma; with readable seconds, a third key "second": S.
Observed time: {"hour": 2, "minute": 53}
